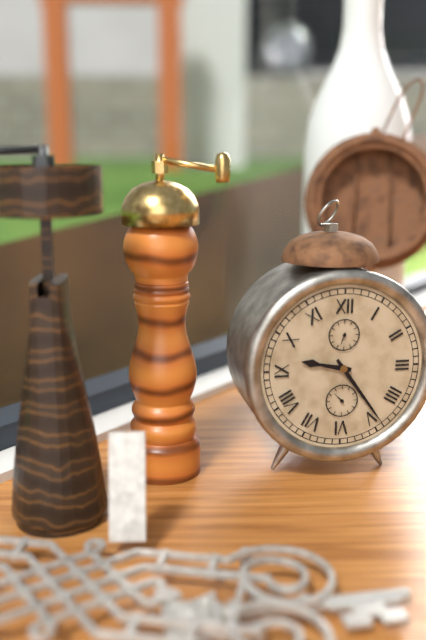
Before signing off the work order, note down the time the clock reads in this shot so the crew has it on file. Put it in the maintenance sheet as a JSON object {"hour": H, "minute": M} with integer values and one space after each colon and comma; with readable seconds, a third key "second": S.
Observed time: {"hour": 9, "minute": 24}
